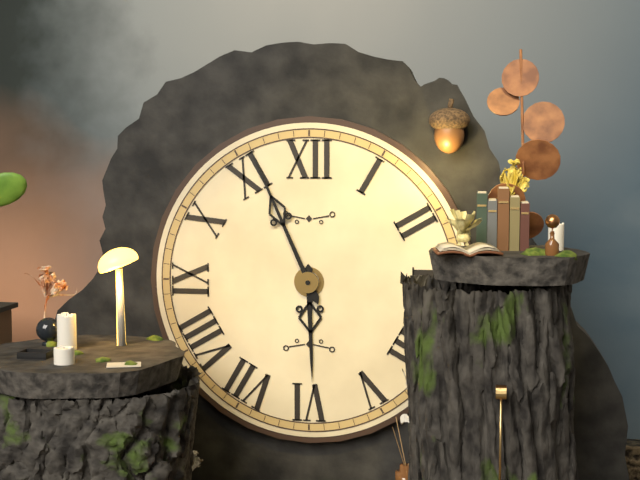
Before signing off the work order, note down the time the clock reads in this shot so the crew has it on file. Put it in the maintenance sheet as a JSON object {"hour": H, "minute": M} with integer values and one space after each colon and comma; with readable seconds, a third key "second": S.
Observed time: {"hour": 5, "minute": 56}
